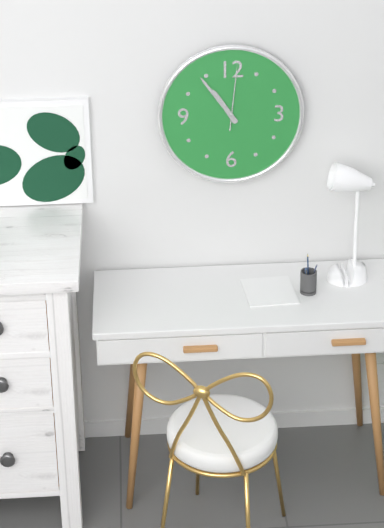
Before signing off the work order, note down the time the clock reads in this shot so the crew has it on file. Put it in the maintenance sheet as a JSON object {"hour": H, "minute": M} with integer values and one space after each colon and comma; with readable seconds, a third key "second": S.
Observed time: {"hour": 10, "minute": 54, "second": 1}
